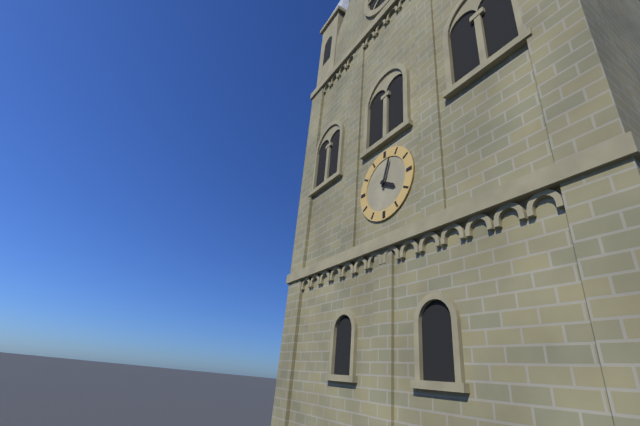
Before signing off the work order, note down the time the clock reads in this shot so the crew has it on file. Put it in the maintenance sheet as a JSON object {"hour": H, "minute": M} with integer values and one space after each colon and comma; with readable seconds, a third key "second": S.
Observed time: {"hour": 4, "minute": 3}
